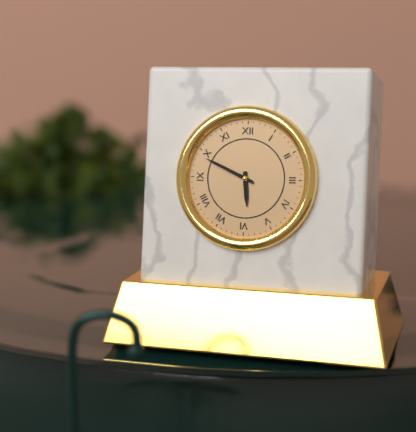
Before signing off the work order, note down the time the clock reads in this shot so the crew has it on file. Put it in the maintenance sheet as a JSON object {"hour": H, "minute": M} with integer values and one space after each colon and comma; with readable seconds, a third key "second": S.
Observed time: {"hour": 5, "minute": 49}
